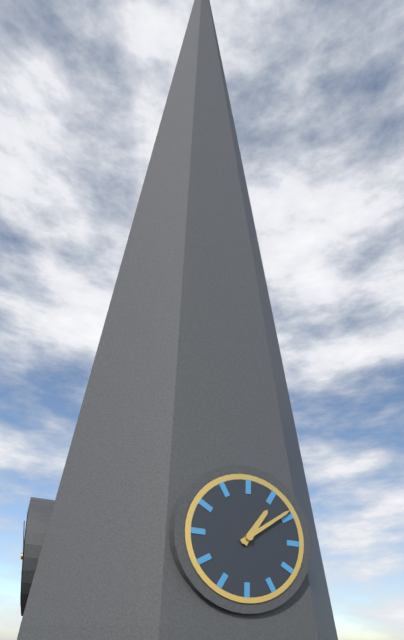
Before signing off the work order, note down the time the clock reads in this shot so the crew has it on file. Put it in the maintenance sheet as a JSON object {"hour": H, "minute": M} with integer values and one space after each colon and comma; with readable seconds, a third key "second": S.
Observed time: {"hour": 1, "minute": 9}
